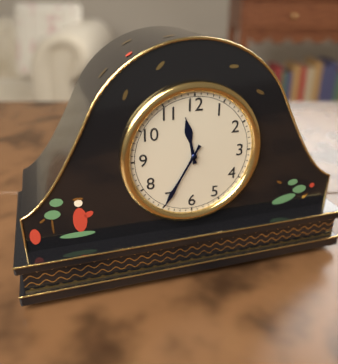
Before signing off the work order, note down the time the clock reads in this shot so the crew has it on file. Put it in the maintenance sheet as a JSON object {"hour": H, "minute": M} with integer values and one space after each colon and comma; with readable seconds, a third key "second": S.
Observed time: {"hour": 11, "minute": 35}
